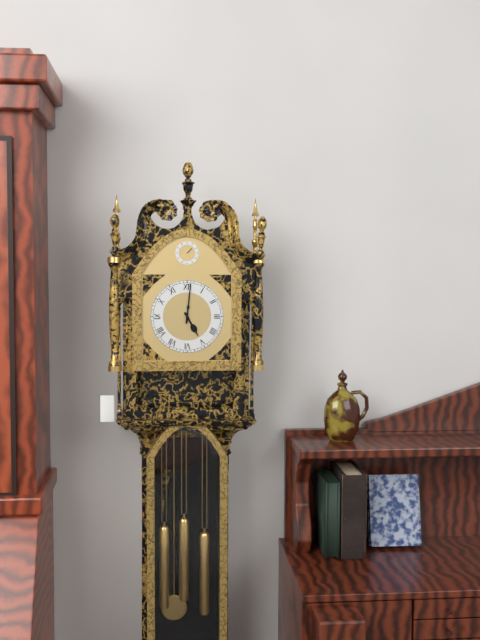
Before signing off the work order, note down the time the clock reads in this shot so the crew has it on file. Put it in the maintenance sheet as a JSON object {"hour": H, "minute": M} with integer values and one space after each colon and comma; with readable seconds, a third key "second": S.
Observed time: {"hour": 5, "minute": 1}
